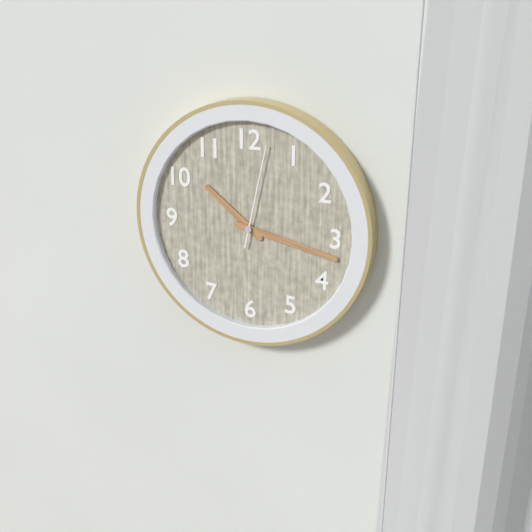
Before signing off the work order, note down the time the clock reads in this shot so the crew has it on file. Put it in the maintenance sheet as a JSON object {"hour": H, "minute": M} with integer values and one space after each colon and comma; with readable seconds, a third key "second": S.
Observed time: {"hour": 10, "minute": 17, "second": 2}
